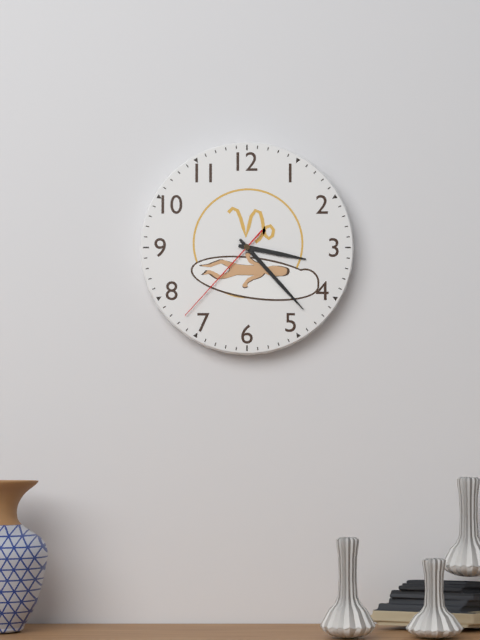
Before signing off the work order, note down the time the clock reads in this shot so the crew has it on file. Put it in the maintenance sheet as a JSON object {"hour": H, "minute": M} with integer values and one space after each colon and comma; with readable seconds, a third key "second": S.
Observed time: {"hour": 3, "minute": 23, "second": 37}
